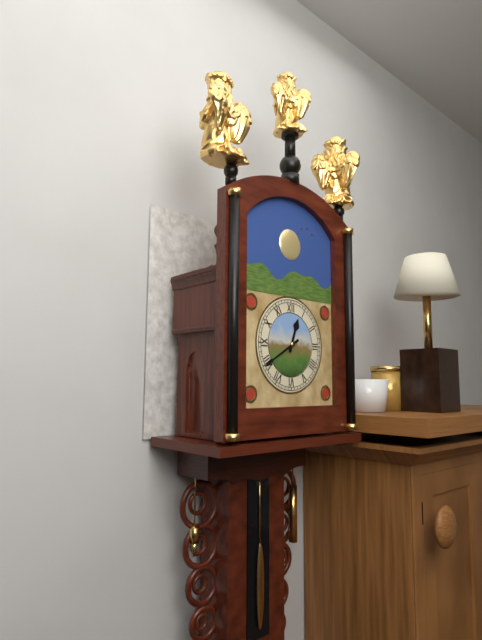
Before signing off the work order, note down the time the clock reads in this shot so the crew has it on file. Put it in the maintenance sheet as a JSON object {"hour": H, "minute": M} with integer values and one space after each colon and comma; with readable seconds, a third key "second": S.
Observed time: {"hour": 12, "minute": 40}
